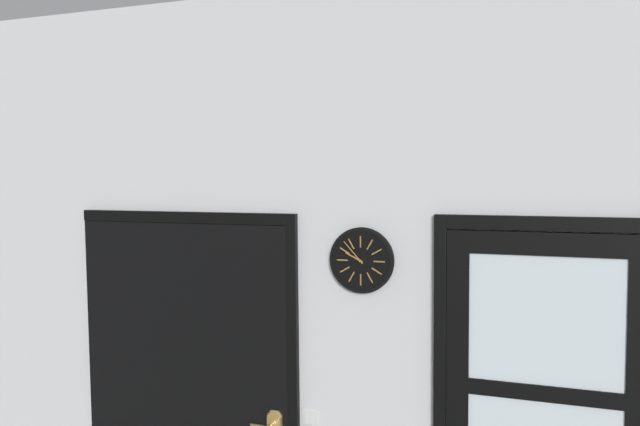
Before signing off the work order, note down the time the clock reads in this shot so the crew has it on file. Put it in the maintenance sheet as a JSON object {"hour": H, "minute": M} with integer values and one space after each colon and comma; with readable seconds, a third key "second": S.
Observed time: {"hour": 9, "minute": 53}
